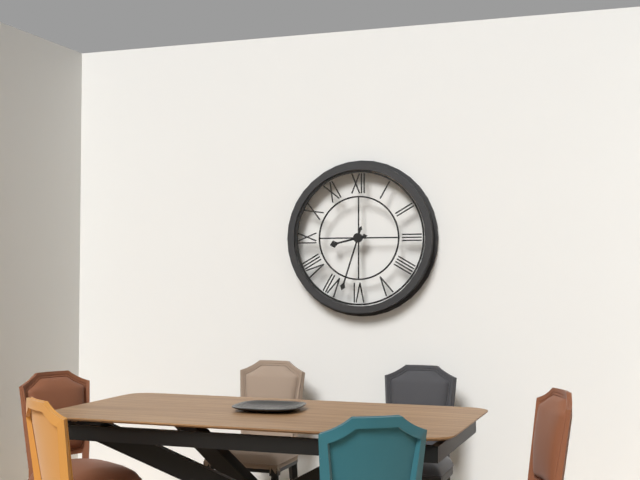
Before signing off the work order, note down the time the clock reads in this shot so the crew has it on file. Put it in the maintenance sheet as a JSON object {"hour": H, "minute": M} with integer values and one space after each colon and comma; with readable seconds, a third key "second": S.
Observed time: {"hour": 8, "minute": 33}
